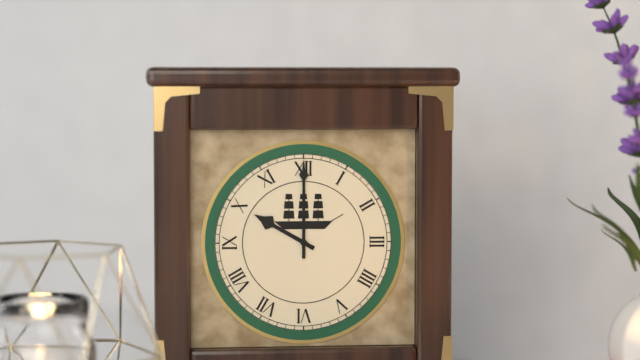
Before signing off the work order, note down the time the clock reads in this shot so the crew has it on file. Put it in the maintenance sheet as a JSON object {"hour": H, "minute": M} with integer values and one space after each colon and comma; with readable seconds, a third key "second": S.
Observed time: {"hour": 10, "minute": 0}
